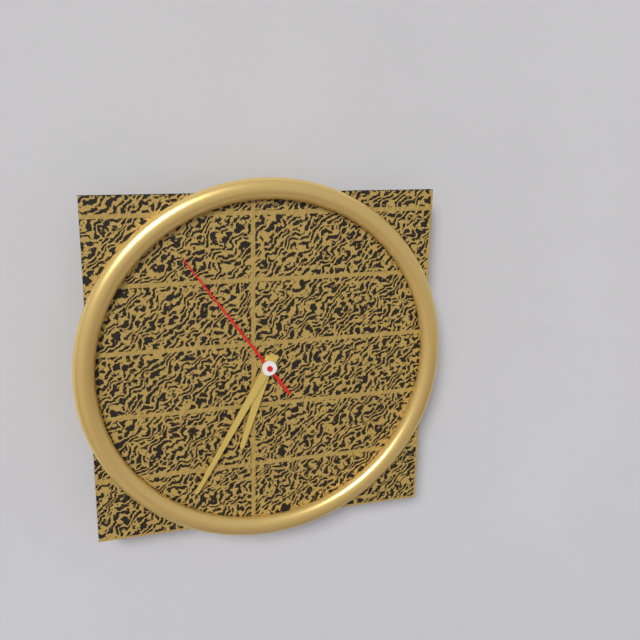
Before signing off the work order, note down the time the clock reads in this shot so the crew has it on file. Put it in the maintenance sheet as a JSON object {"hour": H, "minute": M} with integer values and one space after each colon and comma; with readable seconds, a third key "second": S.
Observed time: {"hour": 6, "minute": 35, "second": 54}
